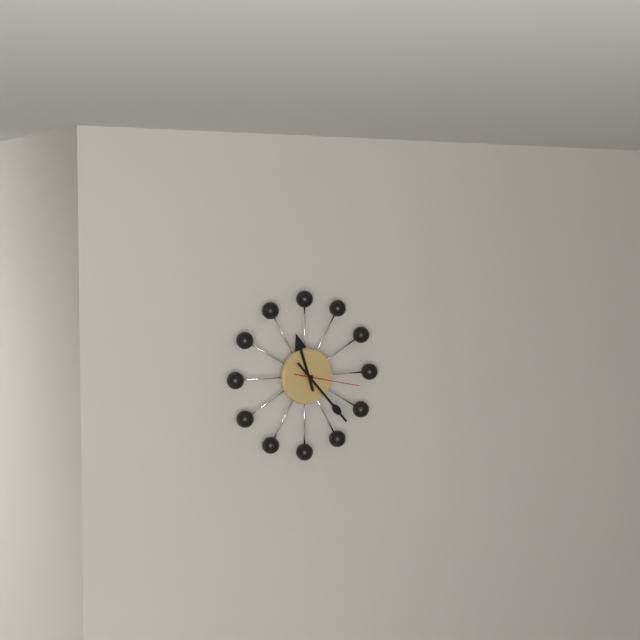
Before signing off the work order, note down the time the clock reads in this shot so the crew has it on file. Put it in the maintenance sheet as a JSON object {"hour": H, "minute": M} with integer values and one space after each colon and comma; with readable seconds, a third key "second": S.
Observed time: {"hour": 11, "minute": 23, "second": 17}
